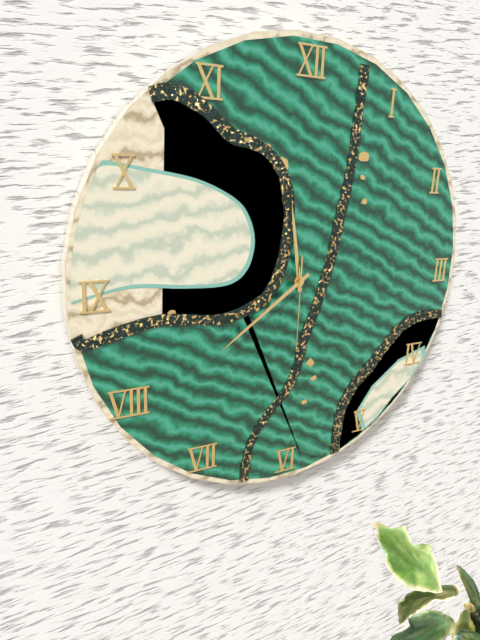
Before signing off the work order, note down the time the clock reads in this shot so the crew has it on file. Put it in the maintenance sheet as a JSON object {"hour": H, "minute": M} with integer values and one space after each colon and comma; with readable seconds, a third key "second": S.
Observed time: {"hour": 11, "minute": 39, "second": 30}
